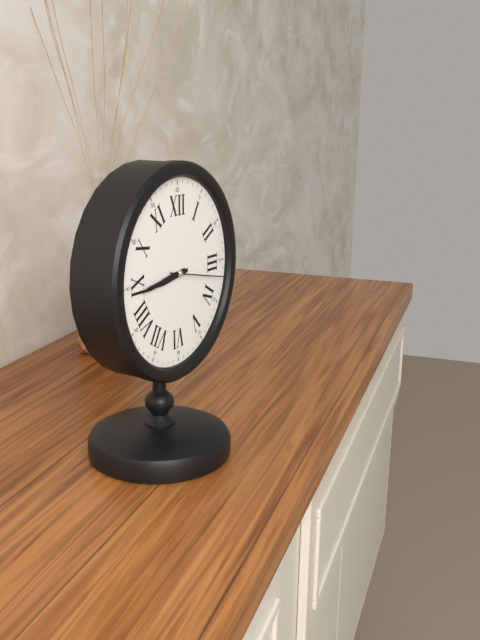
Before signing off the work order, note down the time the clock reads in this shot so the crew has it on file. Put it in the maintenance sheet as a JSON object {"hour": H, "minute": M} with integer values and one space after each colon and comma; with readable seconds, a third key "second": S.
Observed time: {"hour": 8, "minute": 44, "second": 17}
